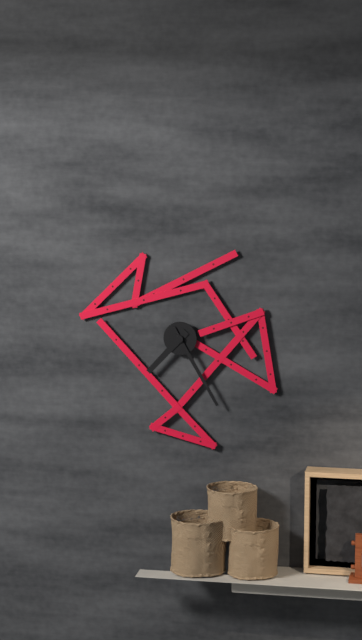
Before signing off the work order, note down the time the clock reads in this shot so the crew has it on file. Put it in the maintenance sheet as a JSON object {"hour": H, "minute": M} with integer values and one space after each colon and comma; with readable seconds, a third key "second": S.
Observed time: {"hour": 7, "minute": 25}
